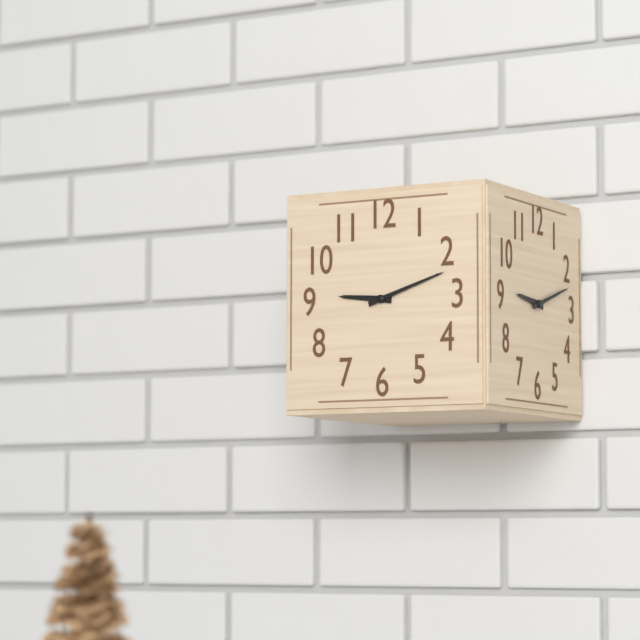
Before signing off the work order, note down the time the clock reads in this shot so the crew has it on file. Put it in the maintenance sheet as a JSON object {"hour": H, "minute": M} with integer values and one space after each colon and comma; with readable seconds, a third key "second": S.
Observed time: {"hour": 9, "minute": 12}
